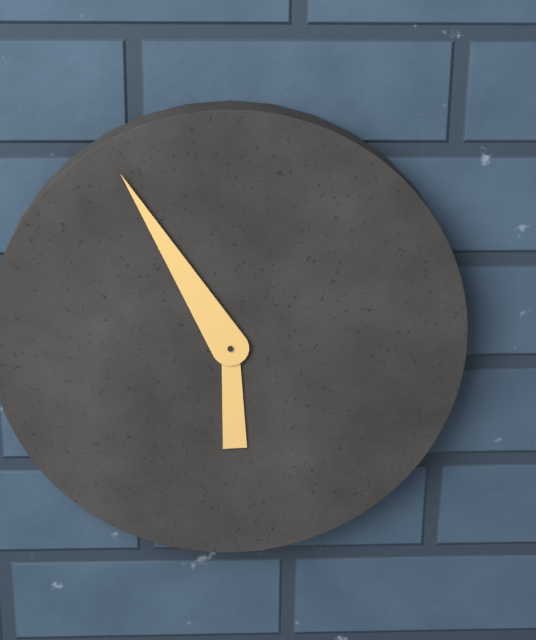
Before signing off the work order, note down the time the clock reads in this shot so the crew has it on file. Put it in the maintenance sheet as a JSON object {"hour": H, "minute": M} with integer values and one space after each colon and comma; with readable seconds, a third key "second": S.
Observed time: {"hour": 5, "minute": 55}
